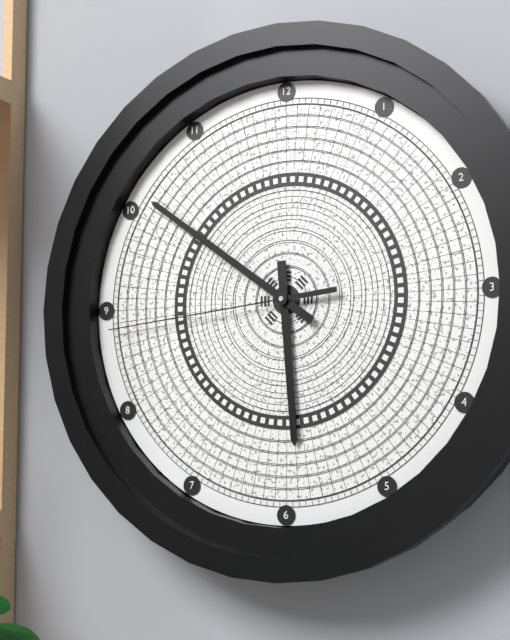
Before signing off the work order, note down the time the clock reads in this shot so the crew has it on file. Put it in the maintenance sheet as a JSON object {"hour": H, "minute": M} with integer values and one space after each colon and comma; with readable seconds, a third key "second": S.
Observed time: {"hour": 5, "minute": 51, "second": 44}
